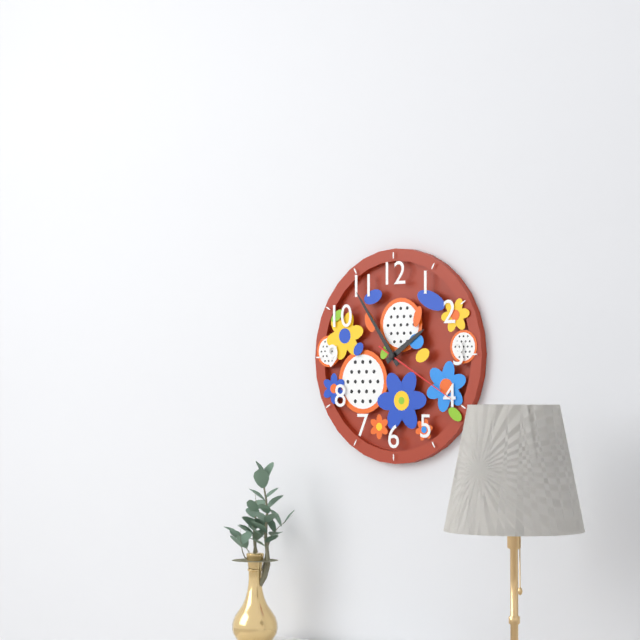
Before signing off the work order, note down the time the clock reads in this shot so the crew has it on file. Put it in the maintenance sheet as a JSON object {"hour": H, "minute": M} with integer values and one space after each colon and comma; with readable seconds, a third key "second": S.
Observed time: {"hour": 1, "minute": 54, "second": 20}
